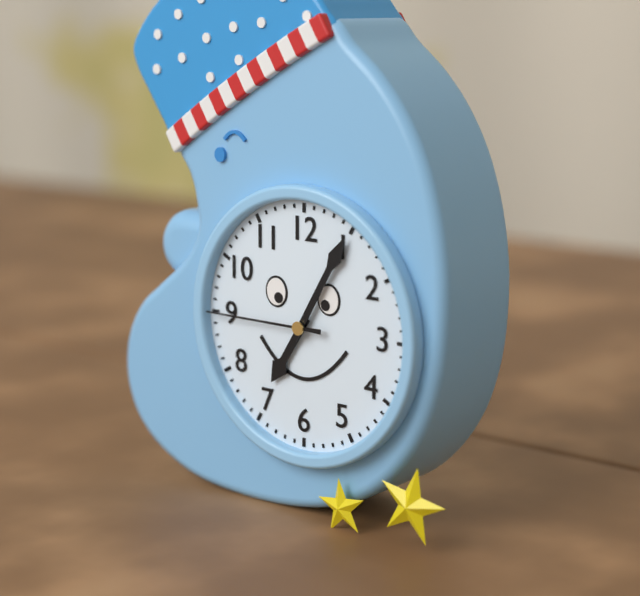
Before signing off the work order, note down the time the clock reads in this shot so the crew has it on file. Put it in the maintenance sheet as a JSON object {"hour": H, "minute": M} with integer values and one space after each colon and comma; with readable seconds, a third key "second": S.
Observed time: {"hour": 7, "minute": 5, "second": 45}
